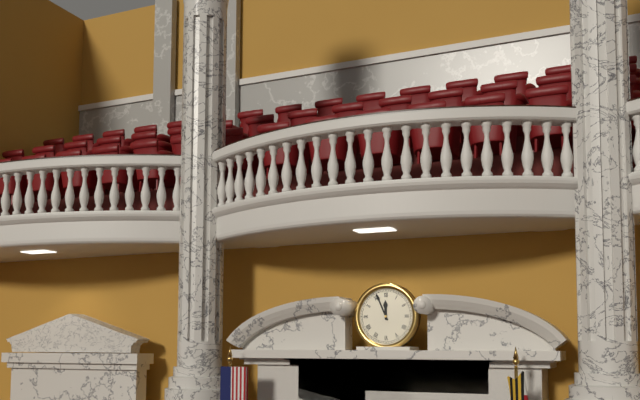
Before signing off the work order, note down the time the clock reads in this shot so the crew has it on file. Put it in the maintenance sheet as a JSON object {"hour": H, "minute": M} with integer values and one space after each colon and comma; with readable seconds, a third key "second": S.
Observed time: {"hour": 11, "minute": 56}
